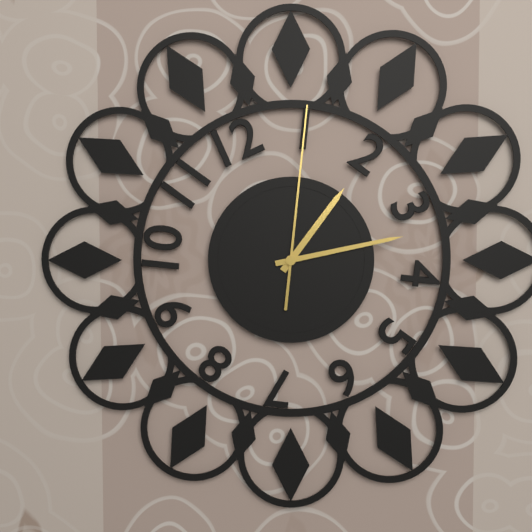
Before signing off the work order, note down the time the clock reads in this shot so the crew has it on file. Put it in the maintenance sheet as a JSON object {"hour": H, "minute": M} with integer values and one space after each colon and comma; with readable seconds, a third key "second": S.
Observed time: {"hour": 1, "minute": 13, "second": 1}
